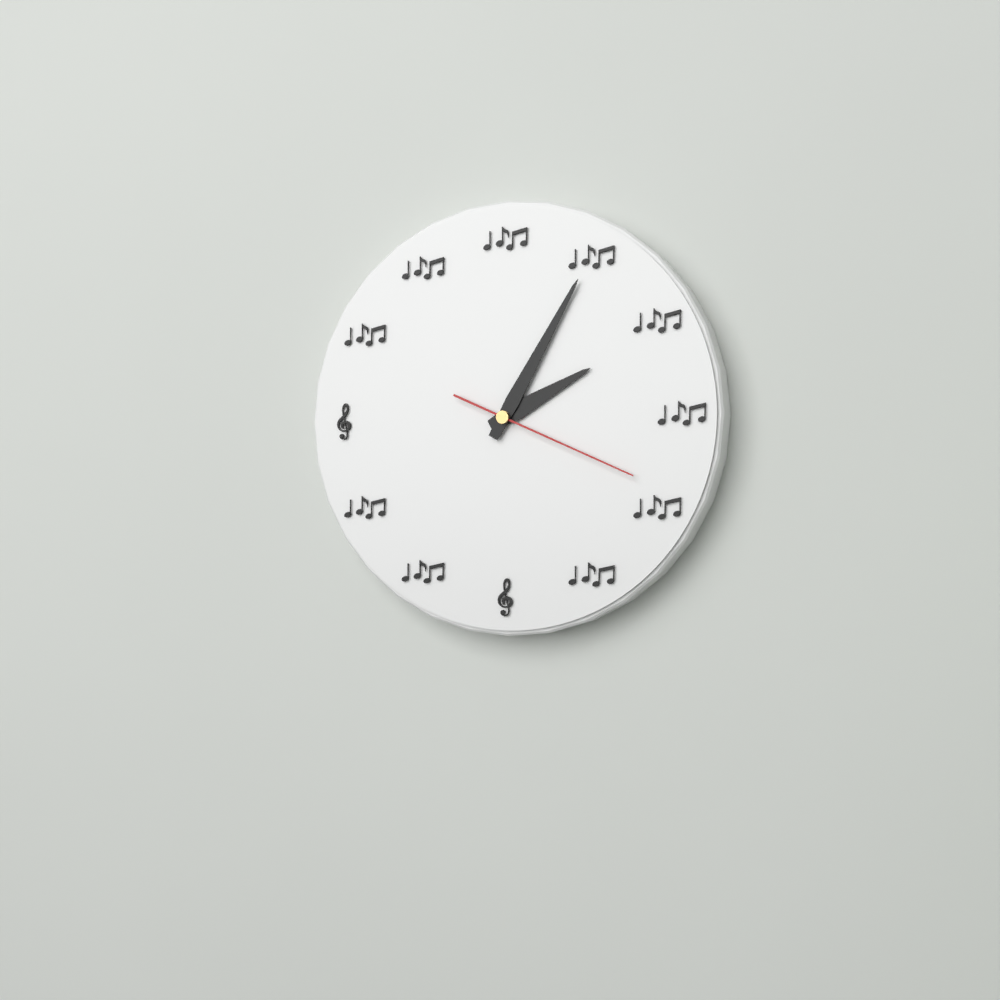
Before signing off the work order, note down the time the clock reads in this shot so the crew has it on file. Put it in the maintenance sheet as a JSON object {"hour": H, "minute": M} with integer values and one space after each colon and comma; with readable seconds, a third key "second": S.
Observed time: {"hour": 2, "minute": 5, "second": 19}
